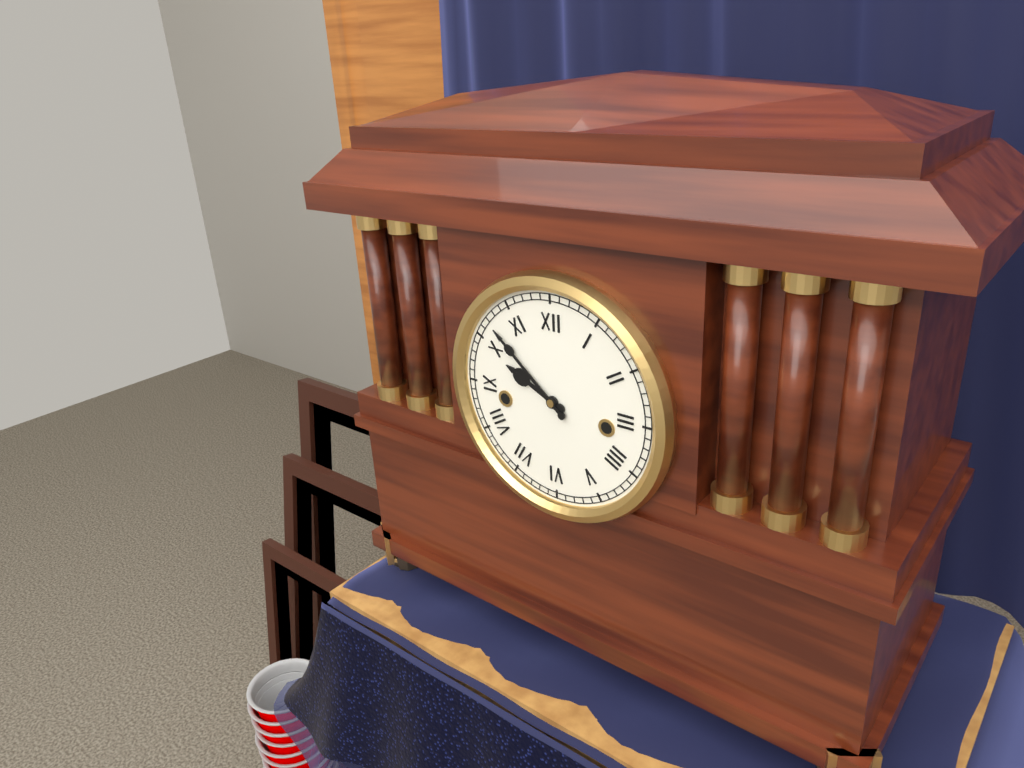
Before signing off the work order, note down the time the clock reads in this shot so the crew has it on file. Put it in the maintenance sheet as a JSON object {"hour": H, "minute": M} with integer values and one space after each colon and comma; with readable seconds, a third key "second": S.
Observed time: {"hour": 9, "minute": 52}
